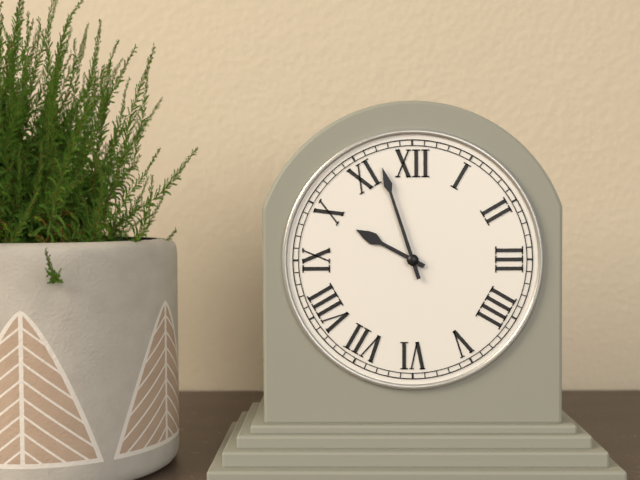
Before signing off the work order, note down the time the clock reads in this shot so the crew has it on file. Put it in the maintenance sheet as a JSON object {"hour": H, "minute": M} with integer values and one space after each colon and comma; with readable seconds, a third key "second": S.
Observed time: {"hour": 9, "minute": 57}
